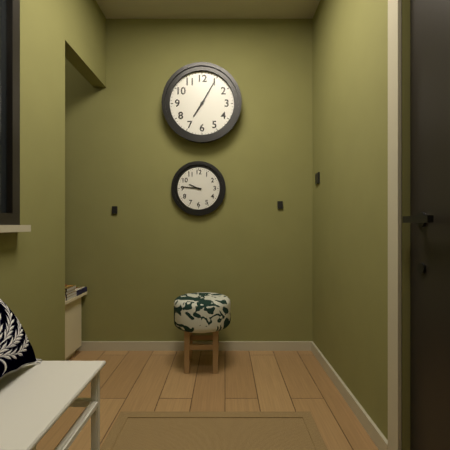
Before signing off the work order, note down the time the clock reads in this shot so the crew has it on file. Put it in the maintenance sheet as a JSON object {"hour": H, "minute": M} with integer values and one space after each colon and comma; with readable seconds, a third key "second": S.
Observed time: {"hour": 7, "minute": 5}
